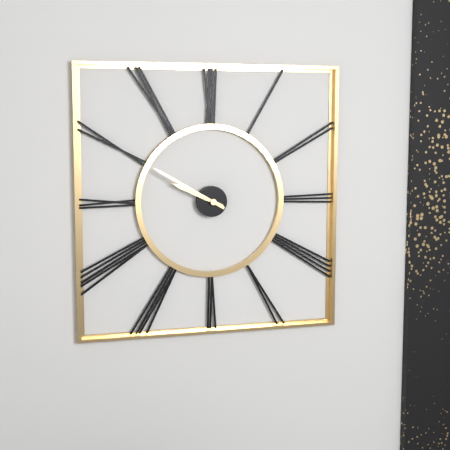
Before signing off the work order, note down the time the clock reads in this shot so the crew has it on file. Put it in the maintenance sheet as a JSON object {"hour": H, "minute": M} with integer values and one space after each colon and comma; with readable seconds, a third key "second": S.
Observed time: {"hour": 9, "minute": 50}
